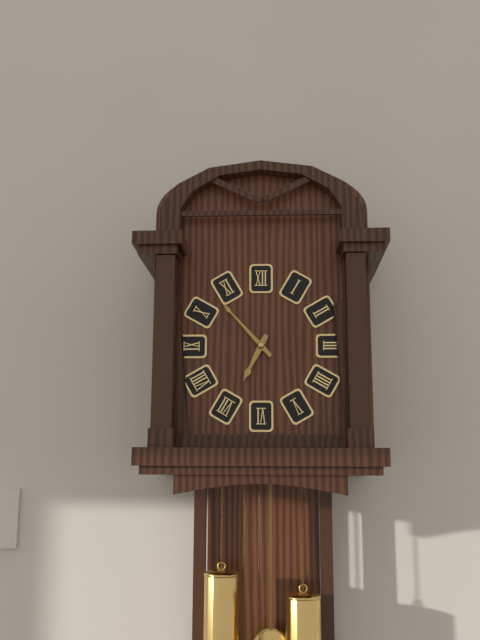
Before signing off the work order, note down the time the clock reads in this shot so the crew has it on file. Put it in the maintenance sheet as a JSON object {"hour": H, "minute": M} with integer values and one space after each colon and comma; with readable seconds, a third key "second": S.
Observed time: {"hour": 6, "minute": 53}
